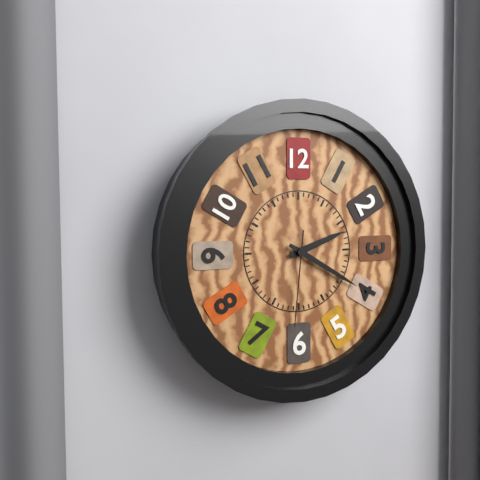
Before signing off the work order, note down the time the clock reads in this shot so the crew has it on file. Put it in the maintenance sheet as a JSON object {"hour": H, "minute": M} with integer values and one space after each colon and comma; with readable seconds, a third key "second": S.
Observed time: {"hour": 2, "minute": 20, "second": 31}
